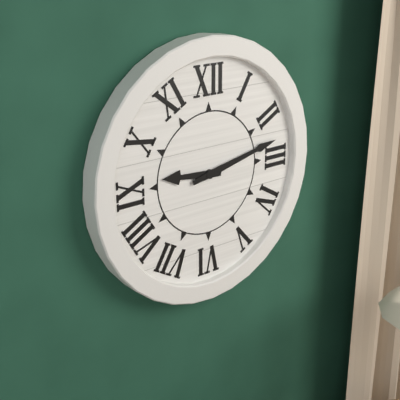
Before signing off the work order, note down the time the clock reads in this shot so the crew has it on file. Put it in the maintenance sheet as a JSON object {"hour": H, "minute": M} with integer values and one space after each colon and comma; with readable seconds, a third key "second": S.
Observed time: {"hour": 9, "minute": 13}
